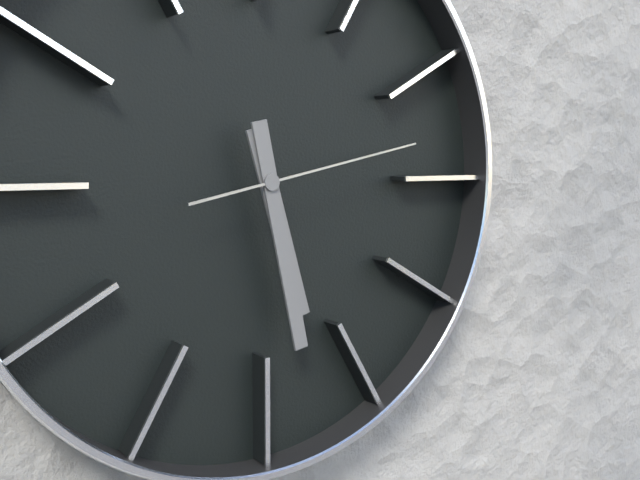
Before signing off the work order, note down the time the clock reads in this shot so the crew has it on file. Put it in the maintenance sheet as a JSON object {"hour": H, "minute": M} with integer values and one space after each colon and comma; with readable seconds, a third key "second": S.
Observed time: {"hour": 5, "minute": 28, "second": 13}
